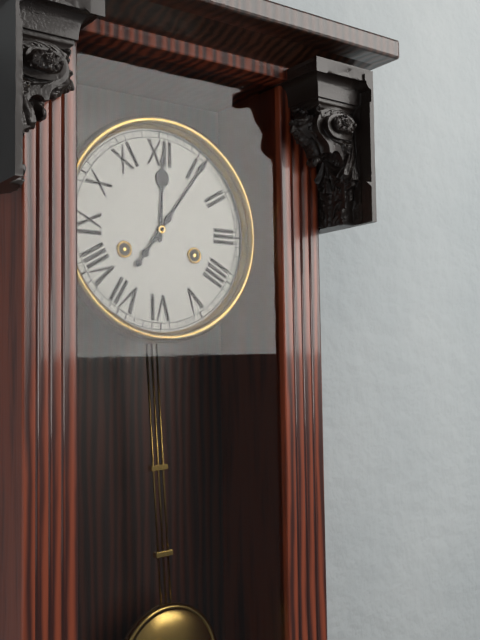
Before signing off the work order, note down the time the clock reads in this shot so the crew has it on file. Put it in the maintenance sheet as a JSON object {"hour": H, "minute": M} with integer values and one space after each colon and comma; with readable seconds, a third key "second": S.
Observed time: {"hour": 12, "minute": 6}
